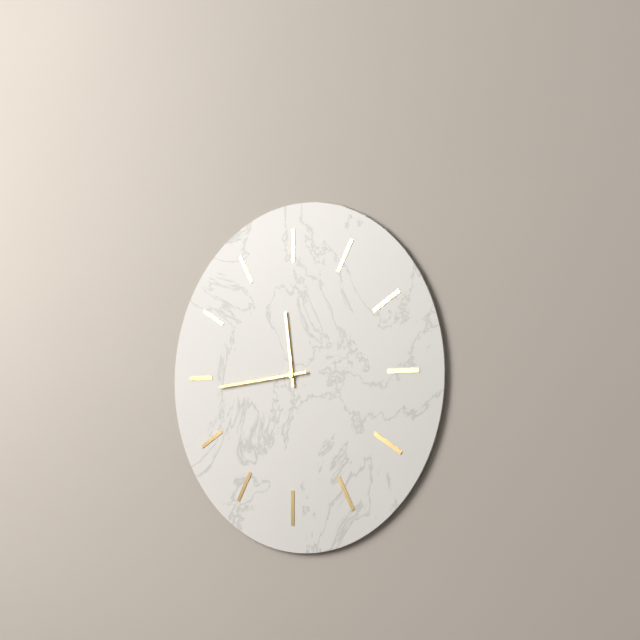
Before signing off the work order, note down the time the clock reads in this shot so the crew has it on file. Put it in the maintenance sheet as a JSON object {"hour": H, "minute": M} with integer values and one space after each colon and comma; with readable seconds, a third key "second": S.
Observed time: {"hour": 11, "minute": 44}
